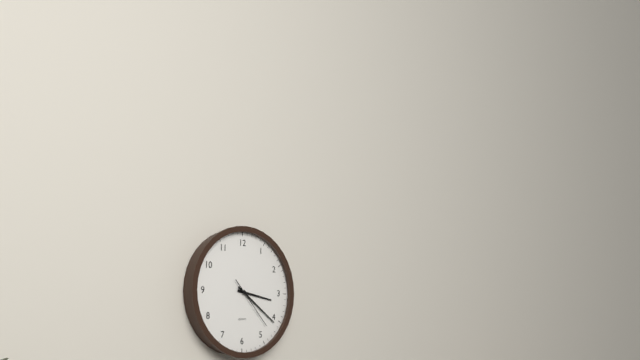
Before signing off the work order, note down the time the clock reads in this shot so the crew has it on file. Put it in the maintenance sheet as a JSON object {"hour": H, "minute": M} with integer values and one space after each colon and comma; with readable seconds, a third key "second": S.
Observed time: {"hour": 3, "minute": 21, "second": 23}
